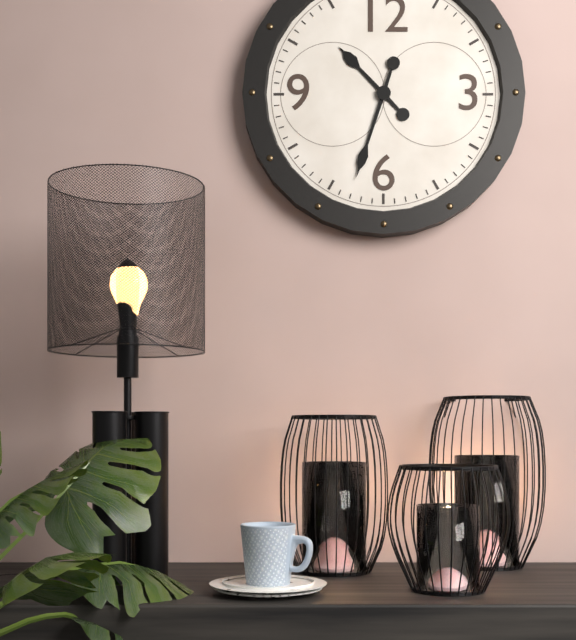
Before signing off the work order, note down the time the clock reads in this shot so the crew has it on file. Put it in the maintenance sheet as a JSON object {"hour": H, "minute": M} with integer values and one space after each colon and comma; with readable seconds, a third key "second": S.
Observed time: {"hour": 10, "minute": 33}
